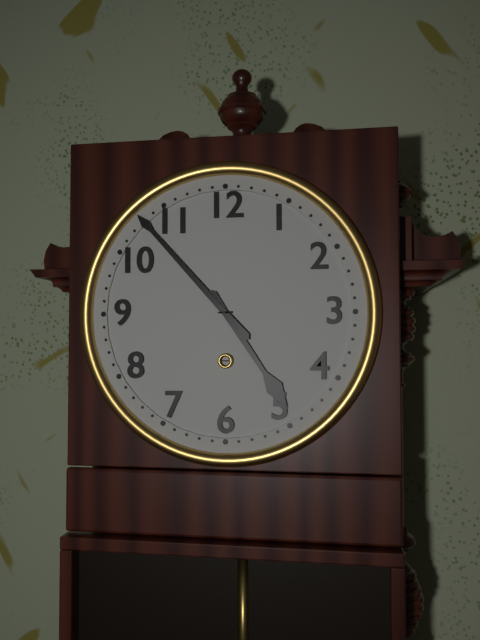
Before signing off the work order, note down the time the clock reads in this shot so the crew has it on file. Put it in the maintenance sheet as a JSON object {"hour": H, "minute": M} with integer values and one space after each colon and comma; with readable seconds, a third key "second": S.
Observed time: {"hour": 4, "minute": 53}
